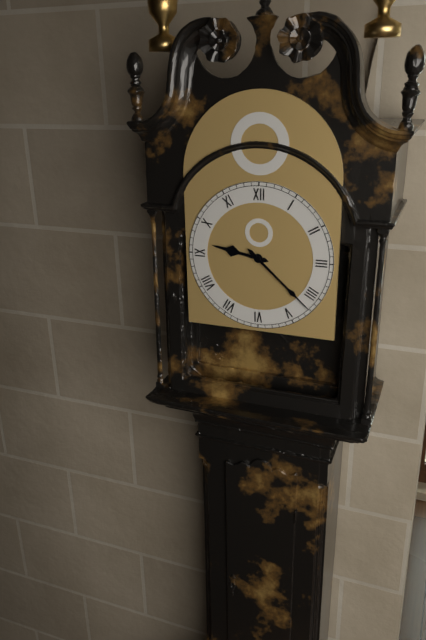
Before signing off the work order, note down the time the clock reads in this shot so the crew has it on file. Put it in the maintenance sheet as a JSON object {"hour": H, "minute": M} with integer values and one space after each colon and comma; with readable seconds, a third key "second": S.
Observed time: {"hour": 9, "minute": 22}
